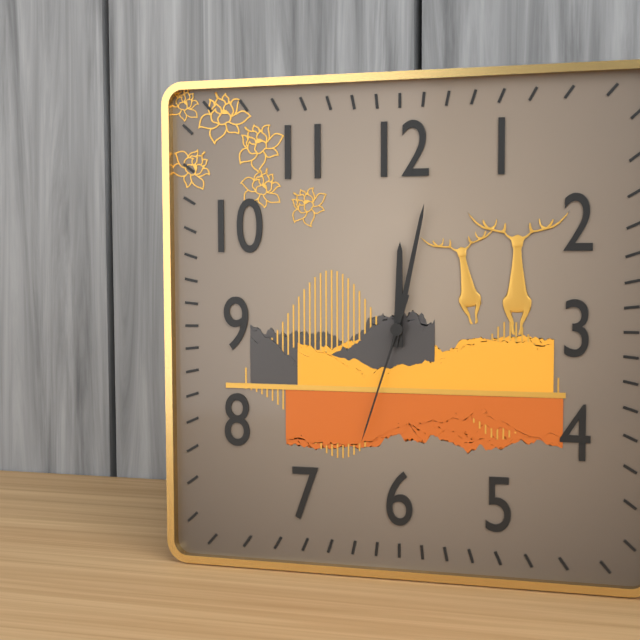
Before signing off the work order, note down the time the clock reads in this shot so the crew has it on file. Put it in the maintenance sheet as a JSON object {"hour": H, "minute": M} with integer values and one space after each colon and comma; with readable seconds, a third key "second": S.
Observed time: {"hour": 12, "minute": 2, "second": 33}
